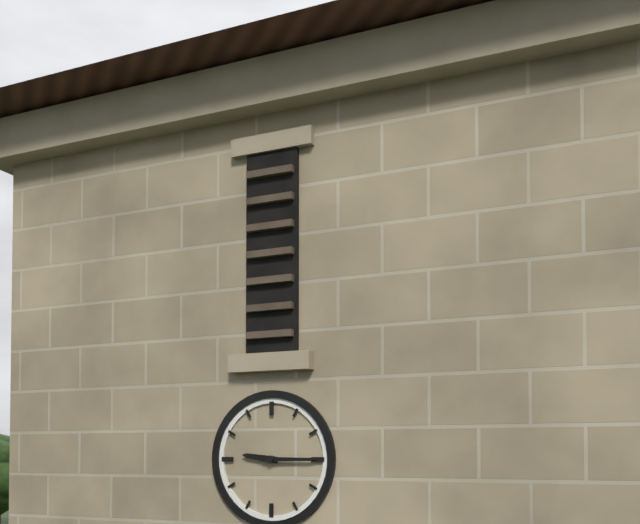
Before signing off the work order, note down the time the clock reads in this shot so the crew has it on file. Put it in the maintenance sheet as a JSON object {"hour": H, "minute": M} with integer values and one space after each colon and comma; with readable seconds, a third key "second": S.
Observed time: {"hour": 9, "minute": 15}
